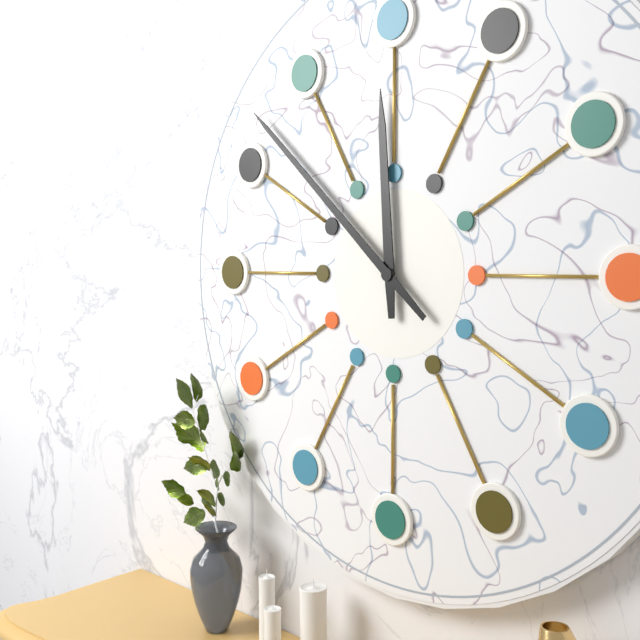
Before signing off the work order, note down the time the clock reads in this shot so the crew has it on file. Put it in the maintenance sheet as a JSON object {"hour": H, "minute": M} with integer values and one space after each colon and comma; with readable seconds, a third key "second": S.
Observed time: {"hour": 11, "minute": 52}
